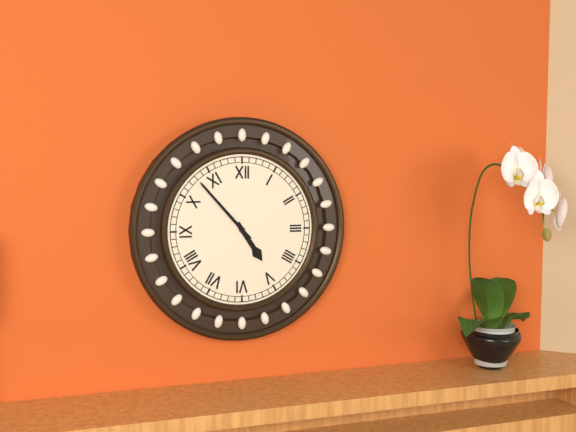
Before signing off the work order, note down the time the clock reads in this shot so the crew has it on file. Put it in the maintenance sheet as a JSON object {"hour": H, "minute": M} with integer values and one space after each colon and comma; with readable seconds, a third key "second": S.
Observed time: {"hour": 4, "minute": 53}
